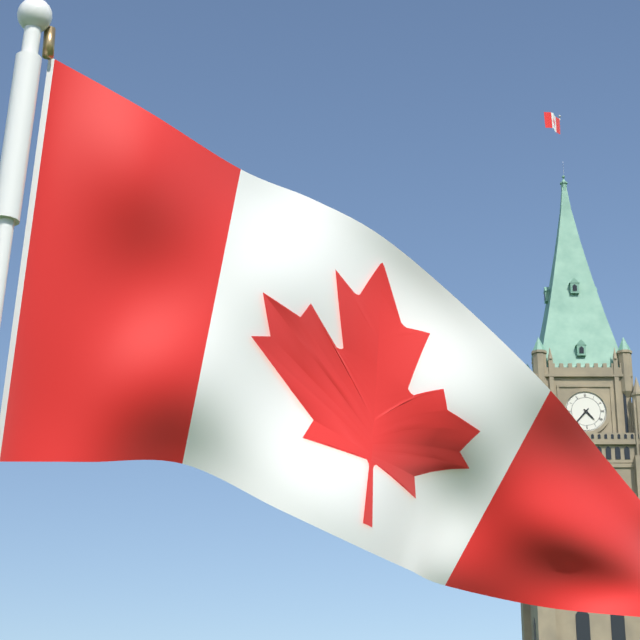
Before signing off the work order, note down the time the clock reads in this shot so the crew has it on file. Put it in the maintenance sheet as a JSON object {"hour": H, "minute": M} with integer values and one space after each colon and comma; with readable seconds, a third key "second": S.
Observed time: {"hour": 4, "minute": 37}
